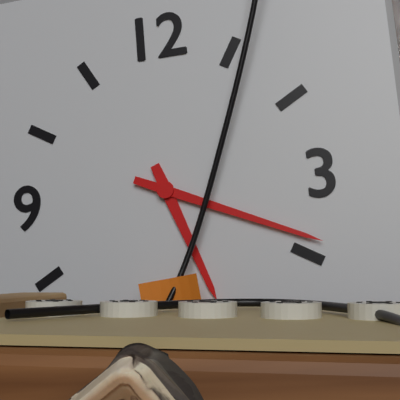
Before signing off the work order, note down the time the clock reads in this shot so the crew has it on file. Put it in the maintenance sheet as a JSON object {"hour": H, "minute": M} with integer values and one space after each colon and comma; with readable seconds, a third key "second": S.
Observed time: {"hour": 5, "minute": 19}
